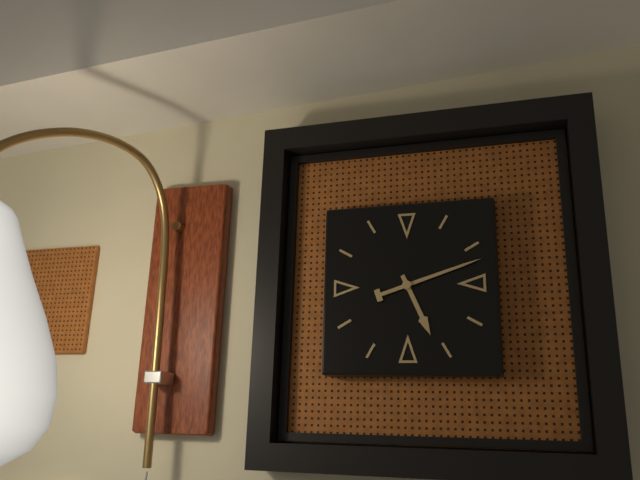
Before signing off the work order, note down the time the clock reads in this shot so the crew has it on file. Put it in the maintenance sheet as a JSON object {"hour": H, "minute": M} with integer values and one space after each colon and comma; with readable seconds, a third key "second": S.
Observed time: {"hour": 5, "minute": 12}
